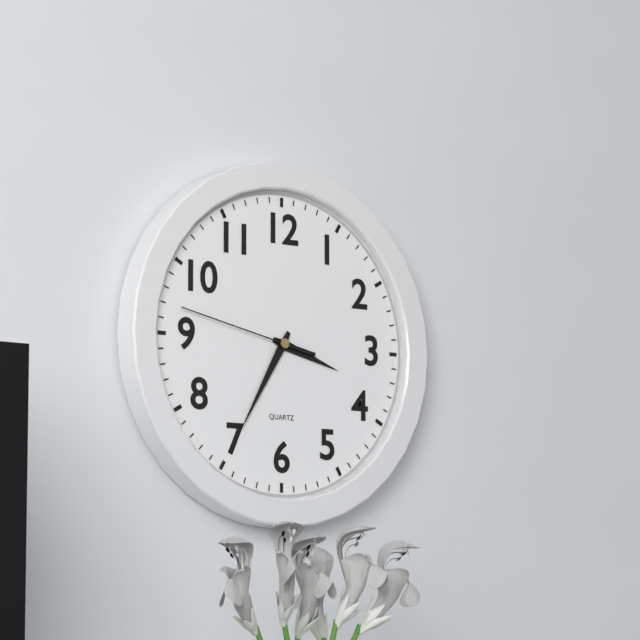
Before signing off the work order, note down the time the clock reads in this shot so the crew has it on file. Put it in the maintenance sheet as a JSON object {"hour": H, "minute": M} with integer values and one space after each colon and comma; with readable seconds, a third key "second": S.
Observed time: {"hour": 3, "minute": 35, "second": 47}
